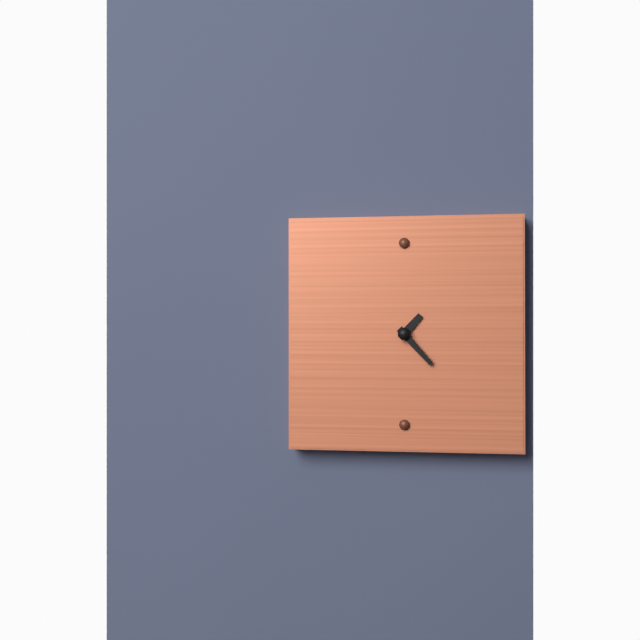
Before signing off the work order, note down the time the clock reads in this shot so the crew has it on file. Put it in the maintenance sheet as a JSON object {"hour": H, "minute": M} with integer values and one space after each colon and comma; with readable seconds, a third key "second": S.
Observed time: {"hour": 1, "minute": 23}
